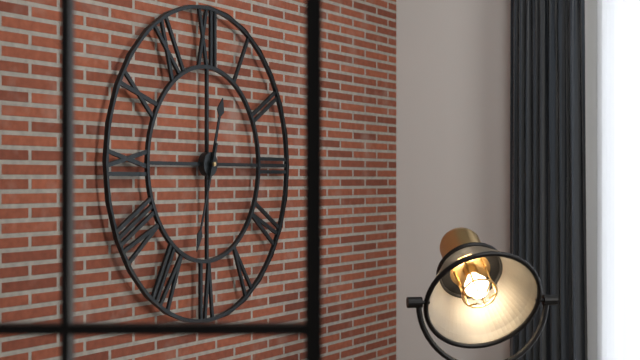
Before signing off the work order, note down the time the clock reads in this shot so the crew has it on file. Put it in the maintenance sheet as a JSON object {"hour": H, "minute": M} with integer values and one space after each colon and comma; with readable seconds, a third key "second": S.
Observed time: {"hour": 12, "minute": 33}
